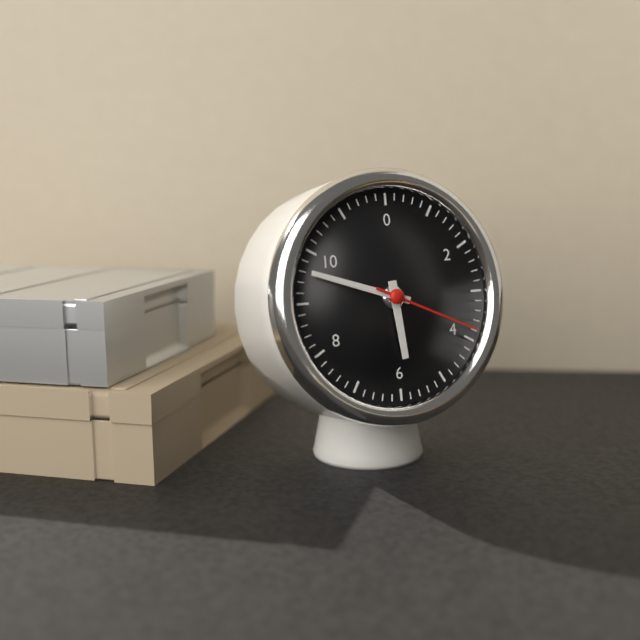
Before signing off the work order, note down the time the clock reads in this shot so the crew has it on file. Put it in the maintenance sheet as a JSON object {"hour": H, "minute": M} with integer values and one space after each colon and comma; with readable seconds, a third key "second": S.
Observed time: {"hour": 5, "minute": 48, "second": 19}
